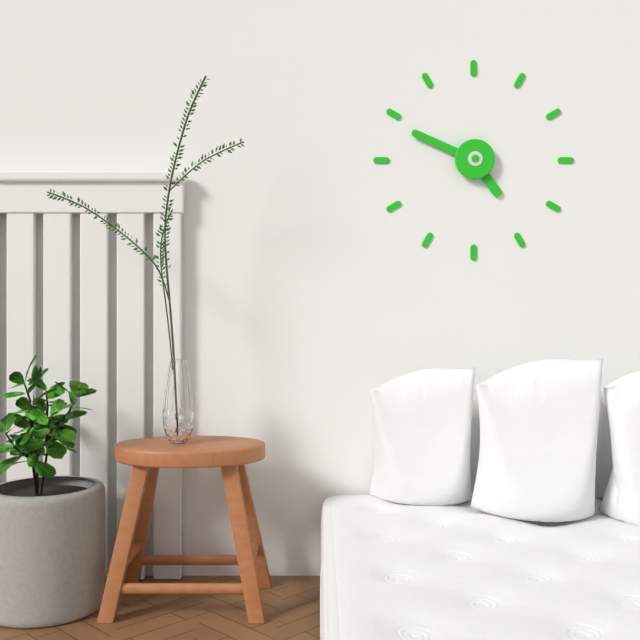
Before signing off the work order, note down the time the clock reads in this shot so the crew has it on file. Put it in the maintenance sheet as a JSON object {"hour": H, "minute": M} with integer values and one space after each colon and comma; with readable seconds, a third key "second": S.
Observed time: {"hour": 4, "minute": 49}
